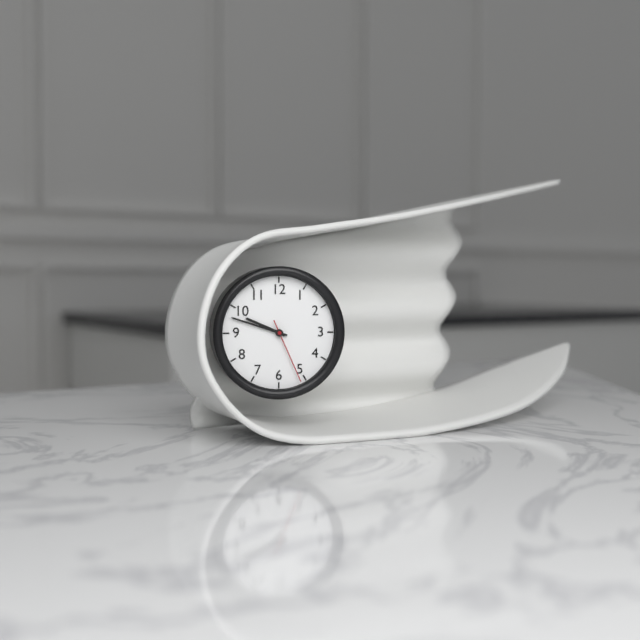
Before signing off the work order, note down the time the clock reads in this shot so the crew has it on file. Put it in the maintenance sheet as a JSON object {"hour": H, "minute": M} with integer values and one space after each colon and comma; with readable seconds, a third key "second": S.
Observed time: {"hour": 9, "minute": 48, "second": 26}
